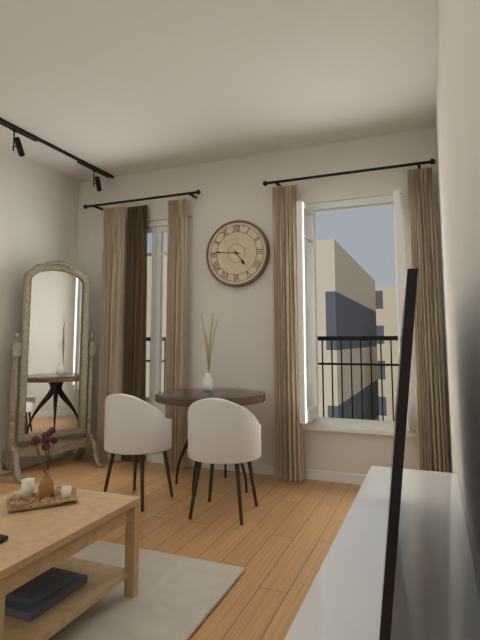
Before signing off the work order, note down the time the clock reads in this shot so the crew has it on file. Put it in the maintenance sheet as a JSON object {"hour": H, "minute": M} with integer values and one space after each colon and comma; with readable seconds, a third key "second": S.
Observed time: {"hour": 4, "minute": 46}
